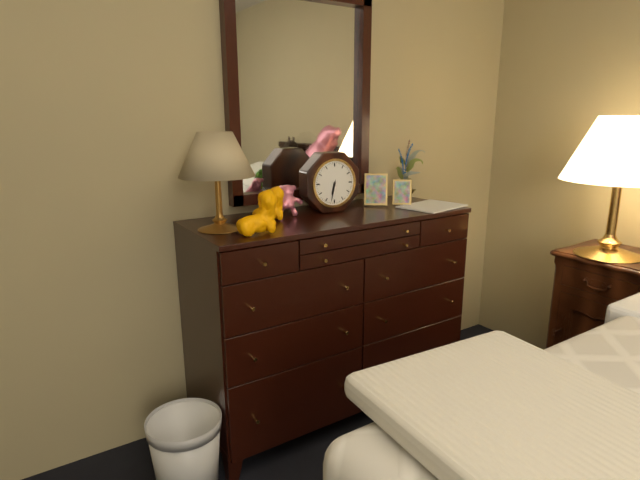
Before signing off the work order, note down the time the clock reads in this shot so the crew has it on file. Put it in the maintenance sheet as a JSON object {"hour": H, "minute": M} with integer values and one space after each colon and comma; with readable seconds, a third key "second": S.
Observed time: {"hour": 6, "minute": 32}
